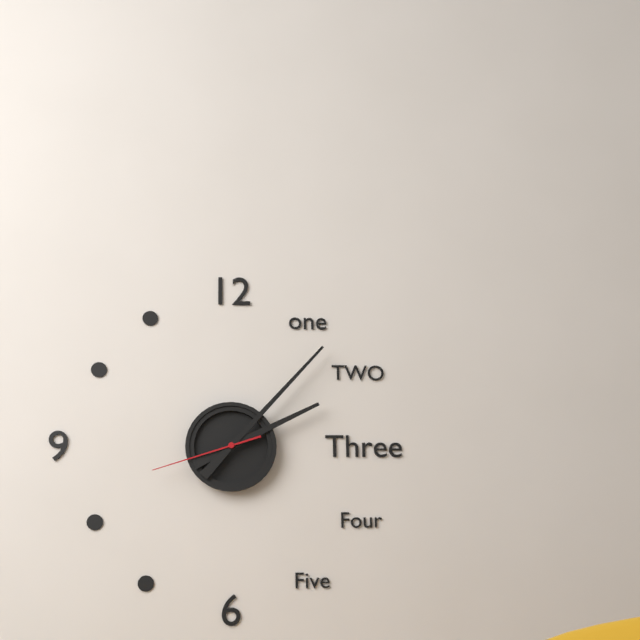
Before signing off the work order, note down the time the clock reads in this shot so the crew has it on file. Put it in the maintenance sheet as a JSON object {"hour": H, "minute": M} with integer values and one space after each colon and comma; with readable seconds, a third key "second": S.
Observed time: {"hour": 2, "minute": 7, "second": 42}
